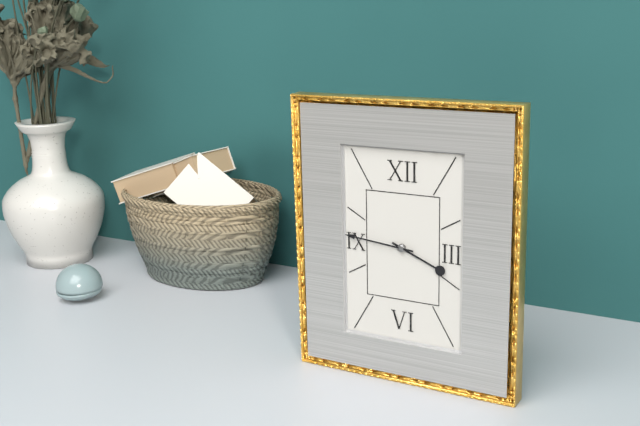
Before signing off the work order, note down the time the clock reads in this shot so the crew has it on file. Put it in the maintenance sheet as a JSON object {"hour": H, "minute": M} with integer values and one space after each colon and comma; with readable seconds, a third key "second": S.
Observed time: {"hour": 3, "minute": 46}
